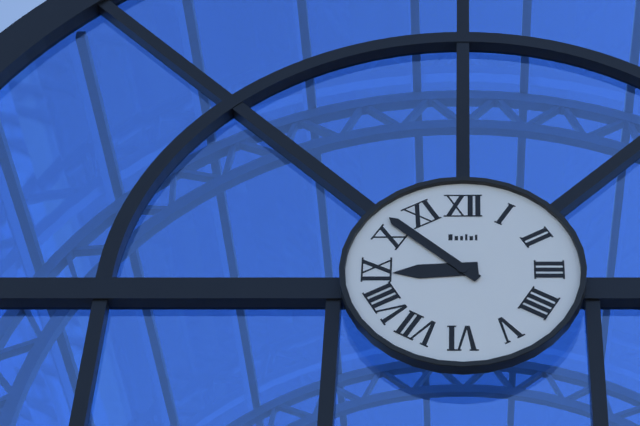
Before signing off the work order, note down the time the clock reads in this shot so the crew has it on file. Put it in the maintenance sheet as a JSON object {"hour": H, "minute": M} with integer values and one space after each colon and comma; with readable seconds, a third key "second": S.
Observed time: {"hour": 8, "minute": 52}
